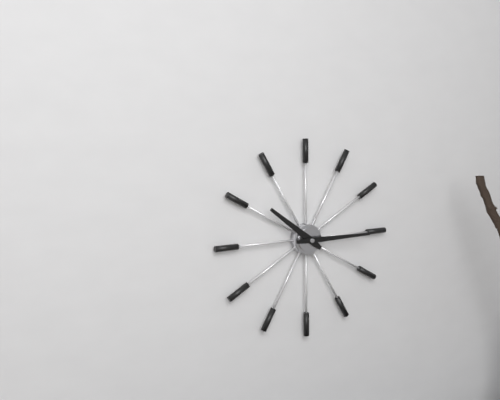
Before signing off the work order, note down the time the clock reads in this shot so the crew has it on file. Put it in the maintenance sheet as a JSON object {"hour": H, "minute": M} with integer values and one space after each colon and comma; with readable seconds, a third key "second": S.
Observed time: {"hour": 10, "minute": 15}
